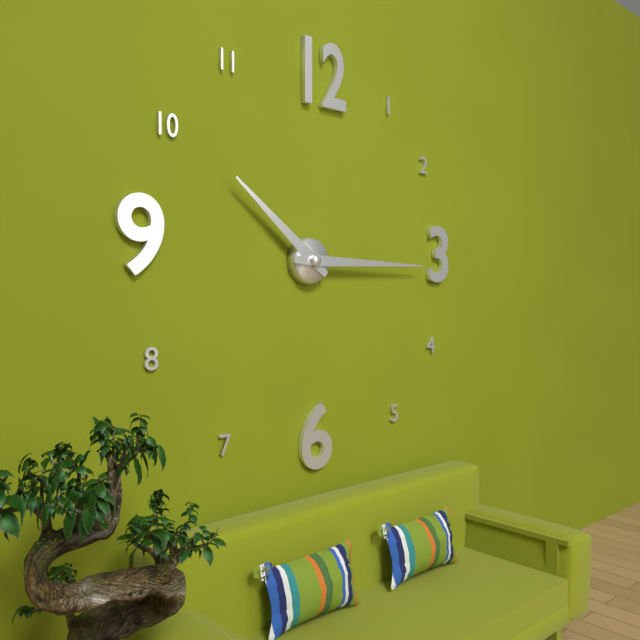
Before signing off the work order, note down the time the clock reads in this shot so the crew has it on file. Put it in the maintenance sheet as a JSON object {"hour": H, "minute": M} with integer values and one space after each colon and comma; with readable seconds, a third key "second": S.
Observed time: {"hour": 10, "minute": 15}
